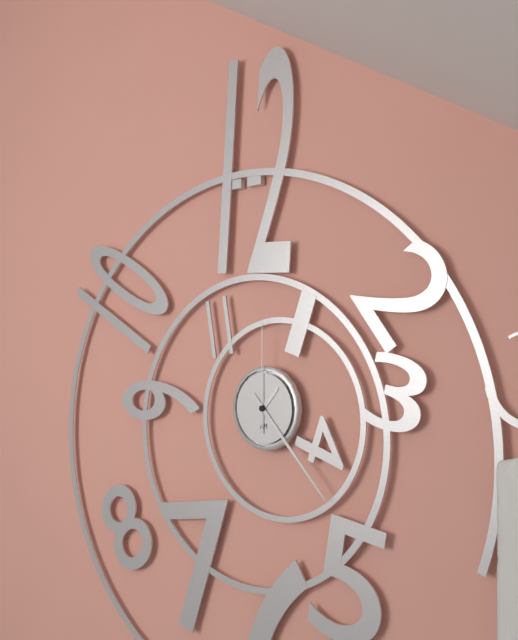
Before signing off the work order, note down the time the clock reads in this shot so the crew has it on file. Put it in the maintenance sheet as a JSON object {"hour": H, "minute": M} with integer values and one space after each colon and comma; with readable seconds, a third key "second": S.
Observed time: {"hour": 1, "minute": 23, "second": 0}
